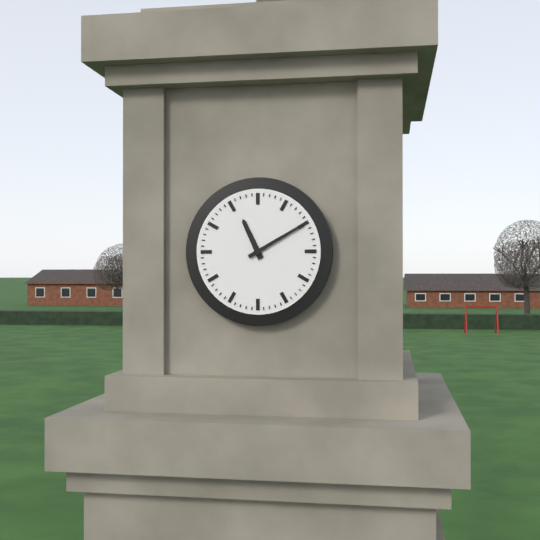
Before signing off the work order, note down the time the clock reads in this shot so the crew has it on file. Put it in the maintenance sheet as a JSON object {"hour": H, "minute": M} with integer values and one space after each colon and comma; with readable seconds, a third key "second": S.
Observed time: {"hour": 11, "minute": 10}
